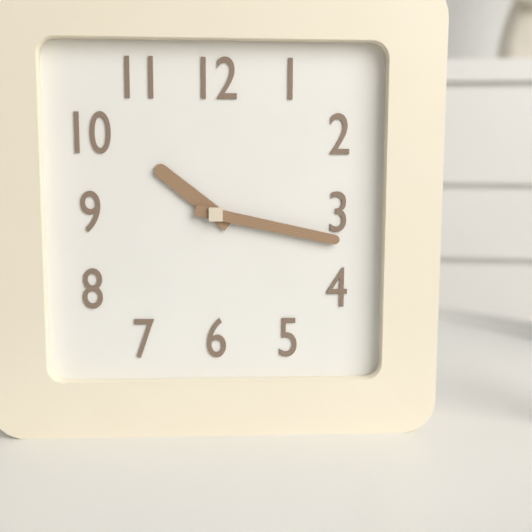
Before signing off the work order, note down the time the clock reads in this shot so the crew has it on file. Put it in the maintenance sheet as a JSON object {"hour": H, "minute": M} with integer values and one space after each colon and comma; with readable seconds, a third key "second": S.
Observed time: {"hour": 10, "minute": 17}
